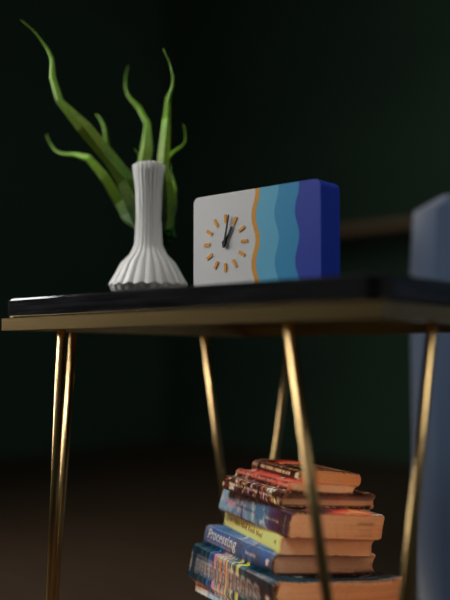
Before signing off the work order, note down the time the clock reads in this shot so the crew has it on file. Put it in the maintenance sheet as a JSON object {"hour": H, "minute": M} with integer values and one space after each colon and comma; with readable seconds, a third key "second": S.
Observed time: {"hour": 1, "minute": 2}
